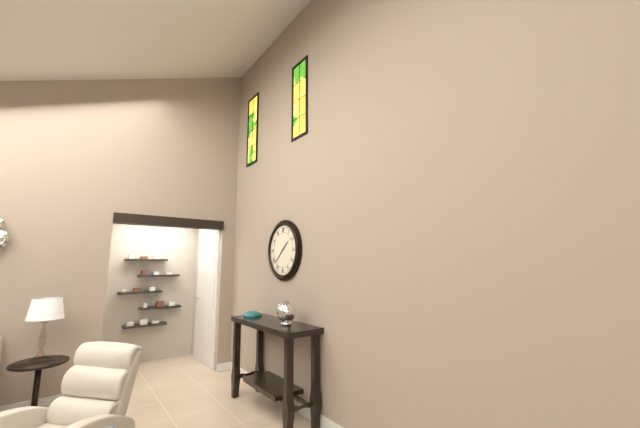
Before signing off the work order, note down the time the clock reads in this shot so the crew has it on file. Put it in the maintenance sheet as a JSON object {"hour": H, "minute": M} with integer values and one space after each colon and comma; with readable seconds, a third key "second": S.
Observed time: {"hour": 1, "minute": 38}
